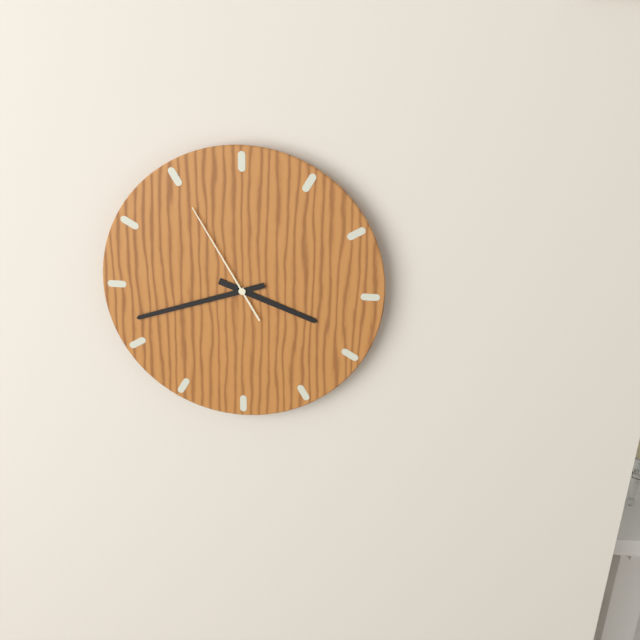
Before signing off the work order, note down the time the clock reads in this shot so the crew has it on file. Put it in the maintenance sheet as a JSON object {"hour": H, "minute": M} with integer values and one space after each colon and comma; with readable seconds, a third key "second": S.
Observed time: {"hour": 3, "minute": 42, "second": 55}
